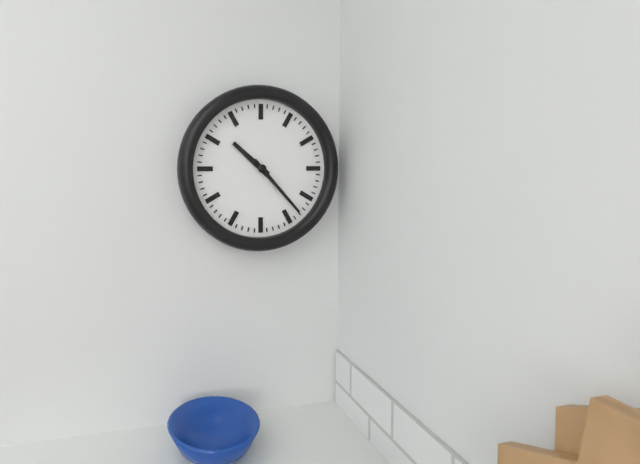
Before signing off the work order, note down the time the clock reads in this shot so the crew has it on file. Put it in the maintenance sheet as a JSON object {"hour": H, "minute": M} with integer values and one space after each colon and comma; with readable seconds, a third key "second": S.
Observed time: {"hour": 10, "minute": 23}
